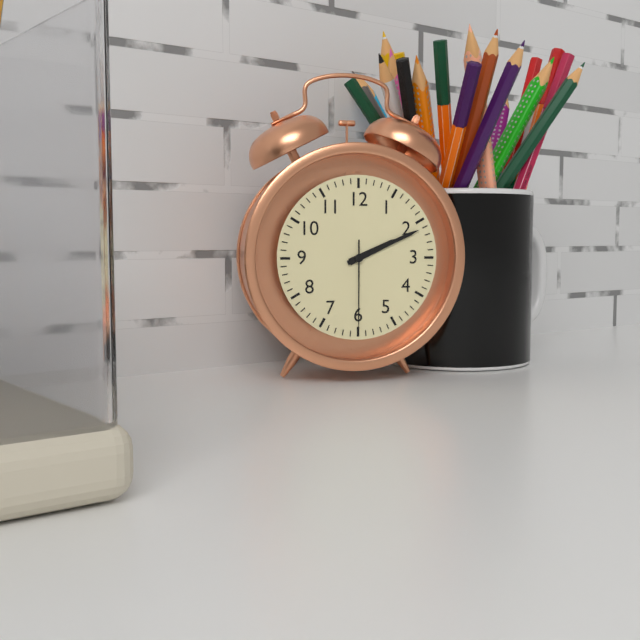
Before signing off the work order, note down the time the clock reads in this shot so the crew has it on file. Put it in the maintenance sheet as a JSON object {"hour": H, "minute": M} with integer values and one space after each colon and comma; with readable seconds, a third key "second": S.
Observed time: {"hour": 2, "minute": 11, "second": 30}
